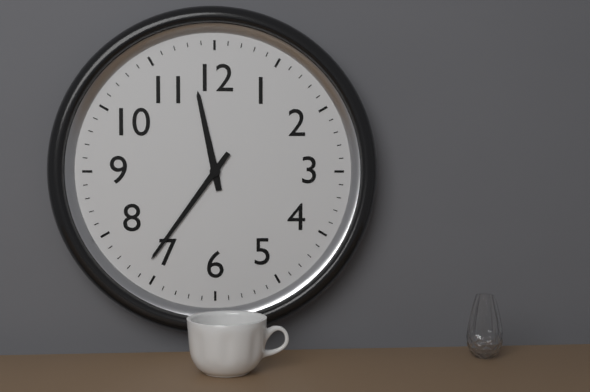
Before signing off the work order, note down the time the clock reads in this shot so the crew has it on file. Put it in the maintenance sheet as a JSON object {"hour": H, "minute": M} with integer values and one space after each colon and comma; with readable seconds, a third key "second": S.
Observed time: {"hour": 11, "minute": 36}
